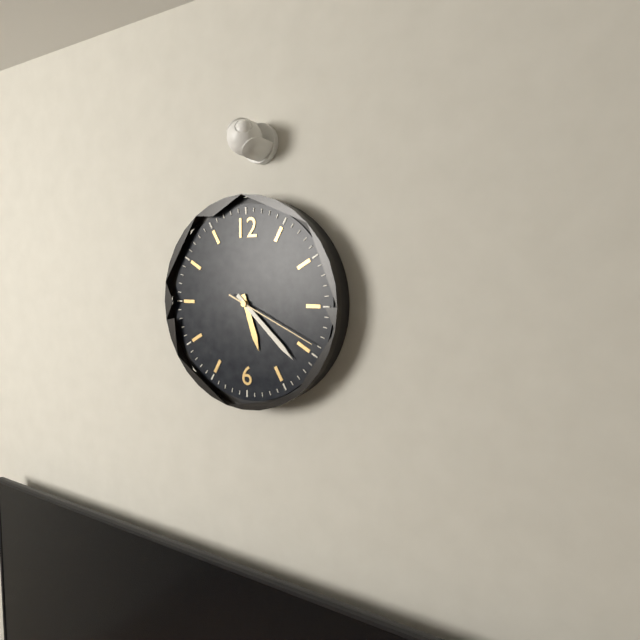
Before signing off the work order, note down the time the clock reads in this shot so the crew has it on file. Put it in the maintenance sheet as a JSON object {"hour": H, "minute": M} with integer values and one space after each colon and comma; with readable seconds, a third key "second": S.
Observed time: {"hour": 5, "minute": 22, "second": 19}
